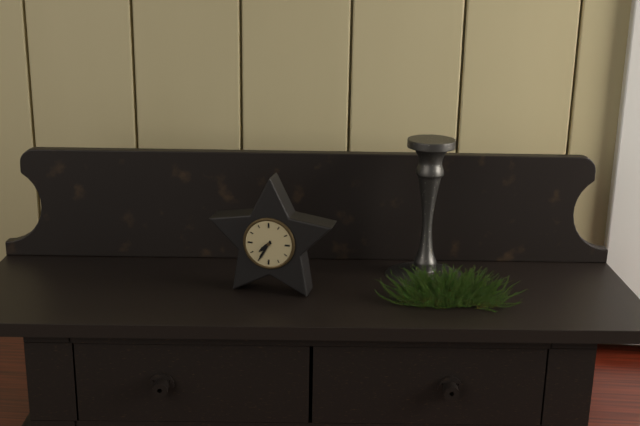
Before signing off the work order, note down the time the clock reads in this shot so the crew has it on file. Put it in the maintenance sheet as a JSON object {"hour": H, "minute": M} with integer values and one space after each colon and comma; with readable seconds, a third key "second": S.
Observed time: {"hour": 7, "minute": 35}
